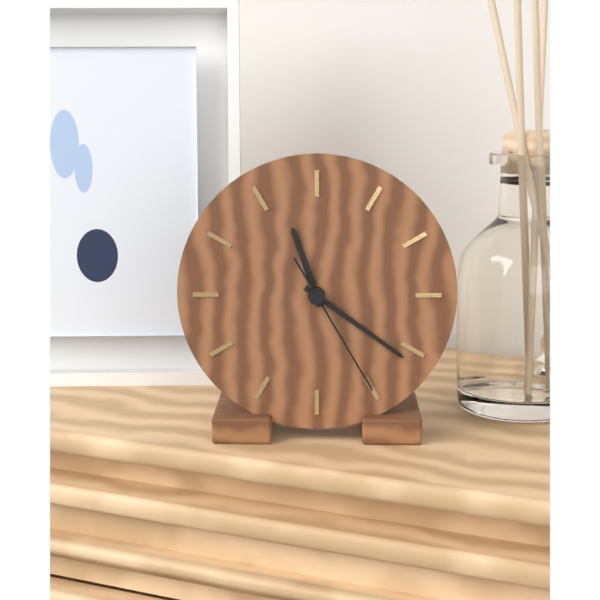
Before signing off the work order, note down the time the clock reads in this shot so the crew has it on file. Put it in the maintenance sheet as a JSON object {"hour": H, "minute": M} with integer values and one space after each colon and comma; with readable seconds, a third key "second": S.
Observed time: {"hour": 11, "minute": 21, "second": 25}
